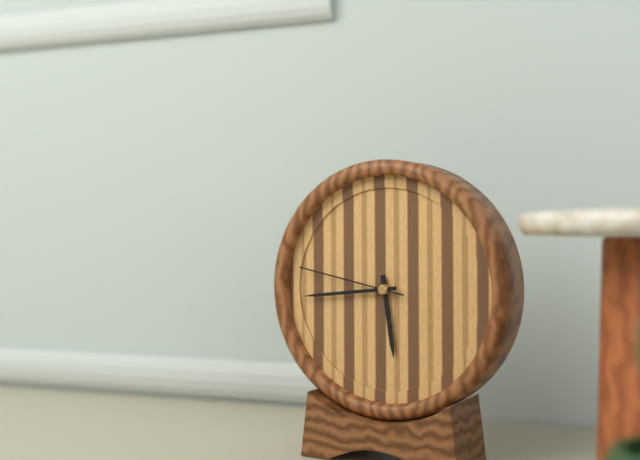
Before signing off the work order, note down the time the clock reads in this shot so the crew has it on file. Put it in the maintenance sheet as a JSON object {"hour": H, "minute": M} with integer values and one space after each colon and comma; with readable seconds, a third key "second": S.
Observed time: {"hour": 5, "minute": 44, "second": 47}
